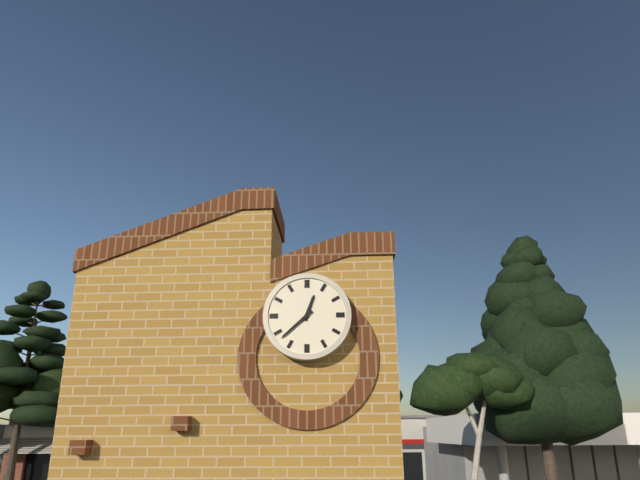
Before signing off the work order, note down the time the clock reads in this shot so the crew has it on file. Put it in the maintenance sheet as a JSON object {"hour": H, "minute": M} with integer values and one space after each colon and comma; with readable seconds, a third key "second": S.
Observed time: {"hour": 12, "minute": 38}
